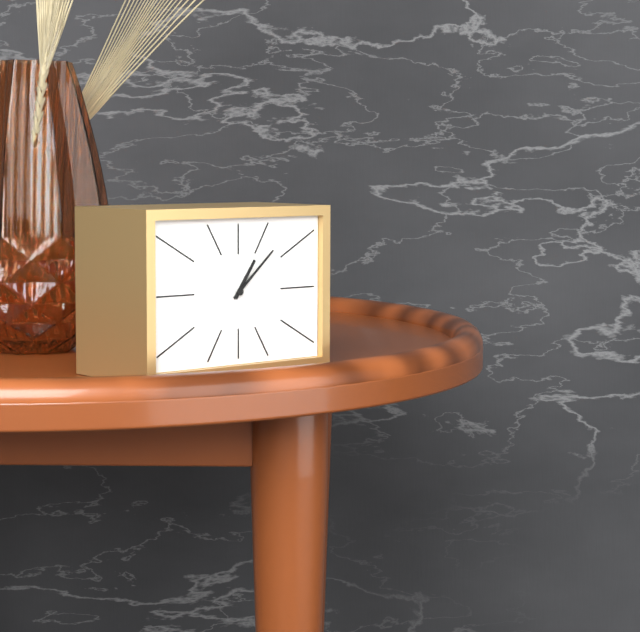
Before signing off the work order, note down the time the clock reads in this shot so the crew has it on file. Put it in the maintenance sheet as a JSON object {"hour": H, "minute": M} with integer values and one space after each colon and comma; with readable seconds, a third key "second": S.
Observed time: {"hour": 1, "minute": 8}
